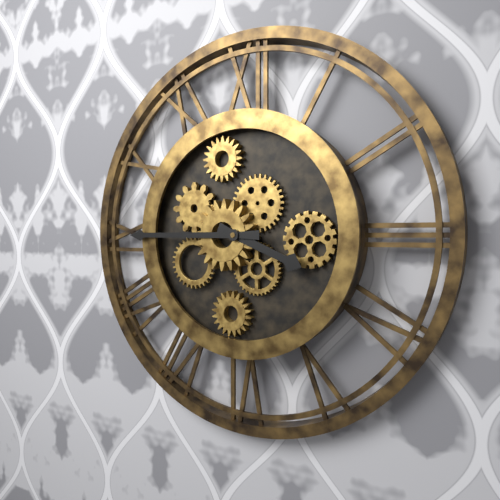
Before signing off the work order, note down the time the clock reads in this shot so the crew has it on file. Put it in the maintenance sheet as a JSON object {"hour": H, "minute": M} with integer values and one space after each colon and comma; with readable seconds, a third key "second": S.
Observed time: {"hour": 3, "minute": 45}
